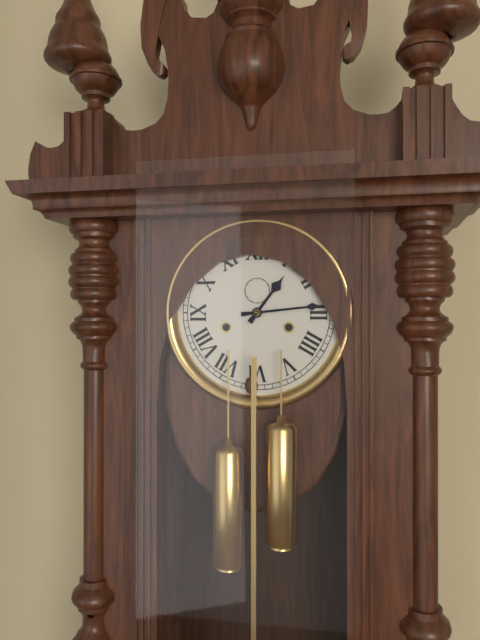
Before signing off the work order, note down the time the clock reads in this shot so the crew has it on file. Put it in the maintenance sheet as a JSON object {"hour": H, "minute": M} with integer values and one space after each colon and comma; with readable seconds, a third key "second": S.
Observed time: {"hour": 1, "minute": 14}
